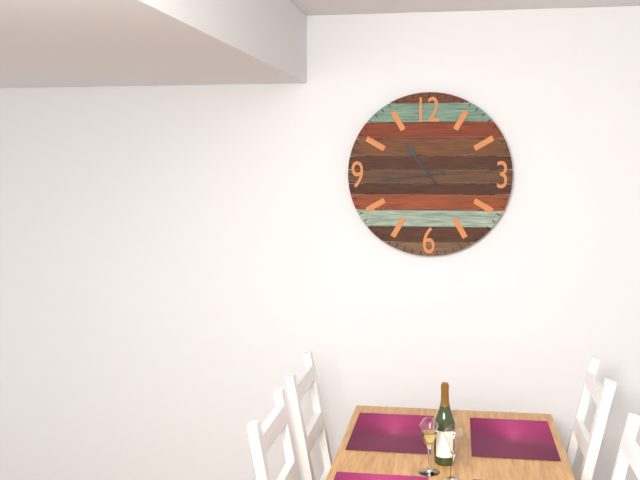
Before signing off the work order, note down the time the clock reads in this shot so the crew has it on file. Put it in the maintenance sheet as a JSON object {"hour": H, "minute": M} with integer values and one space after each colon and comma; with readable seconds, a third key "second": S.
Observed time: {"hour": 10, "minute": 44}
